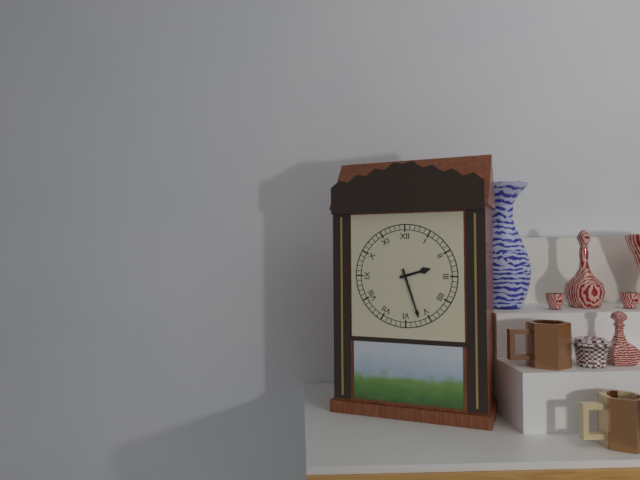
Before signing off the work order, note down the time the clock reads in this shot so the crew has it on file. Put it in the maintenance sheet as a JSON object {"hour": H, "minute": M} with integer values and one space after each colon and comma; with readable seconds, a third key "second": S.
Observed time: {"hour": 2, "minute": 27}
